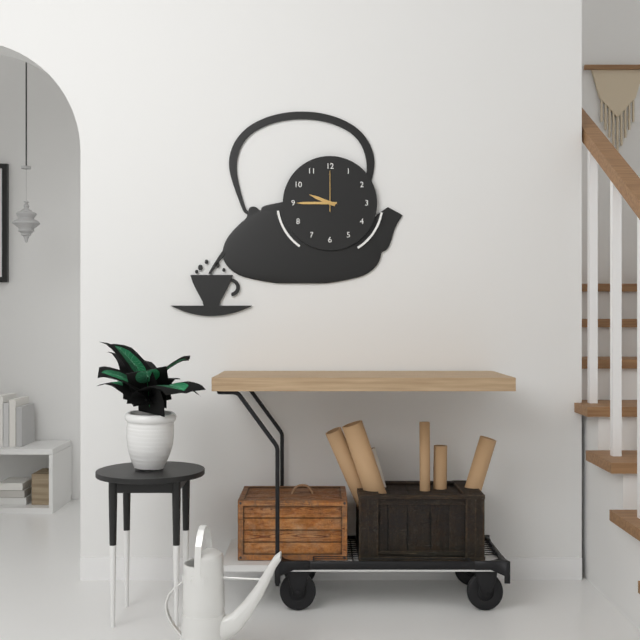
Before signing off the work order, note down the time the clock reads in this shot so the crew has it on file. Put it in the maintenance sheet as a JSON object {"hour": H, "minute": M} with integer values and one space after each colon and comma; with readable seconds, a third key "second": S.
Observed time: {"hour": 9, "minute": 45}
